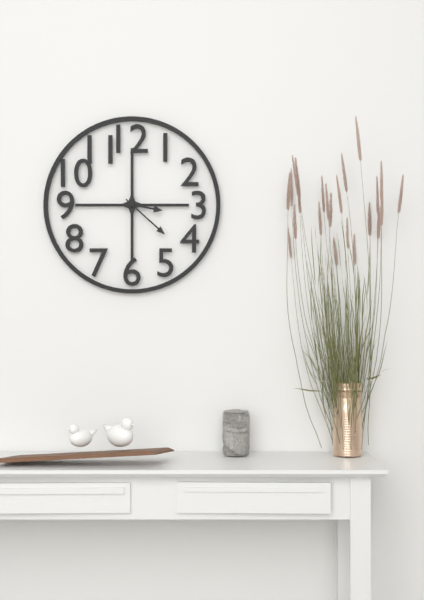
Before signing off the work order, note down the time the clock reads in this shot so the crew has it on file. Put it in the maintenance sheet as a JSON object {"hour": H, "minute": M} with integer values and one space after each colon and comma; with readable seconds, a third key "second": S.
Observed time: {"hour": 3, "minute": 22}
